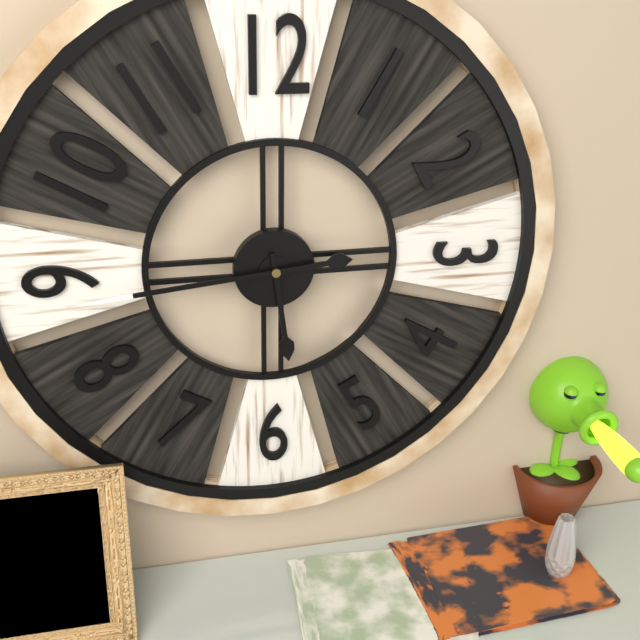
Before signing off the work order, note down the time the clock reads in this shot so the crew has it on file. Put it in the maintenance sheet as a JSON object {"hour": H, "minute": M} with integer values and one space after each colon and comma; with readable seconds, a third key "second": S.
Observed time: {"hour": 5, "minute": 44}
